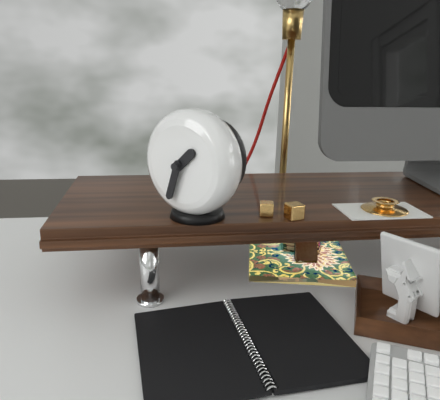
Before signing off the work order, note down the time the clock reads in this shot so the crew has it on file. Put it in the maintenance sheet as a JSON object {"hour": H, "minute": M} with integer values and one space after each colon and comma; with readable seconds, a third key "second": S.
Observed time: {"hour": 1, "minute": 33}
